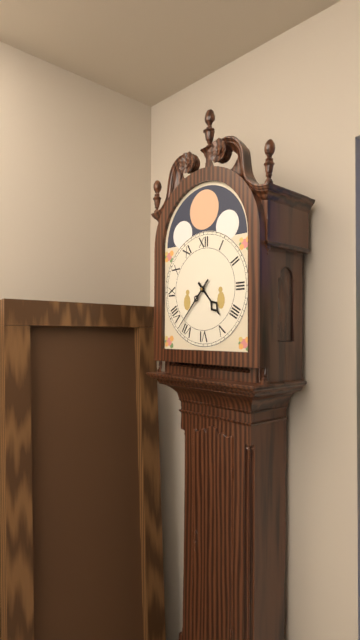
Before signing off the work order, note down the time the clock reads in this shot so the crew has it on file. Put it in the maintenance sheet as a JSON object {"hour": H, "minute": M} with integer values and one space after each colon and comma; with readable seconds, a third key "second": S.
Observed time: {"hour": 4, "minute": 37}
